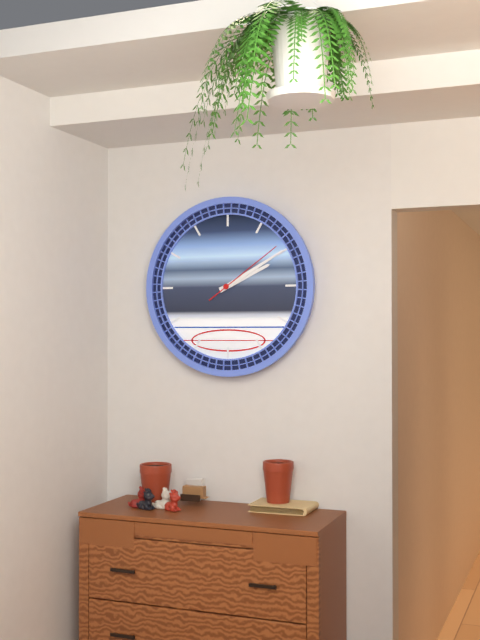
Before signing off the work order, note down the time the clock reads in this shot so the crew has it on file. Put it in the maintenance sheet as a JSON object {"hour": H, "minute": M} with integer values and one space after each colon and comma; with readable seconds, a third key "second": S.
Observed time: {"hour": 2, "minute": 10, "second": 9}
